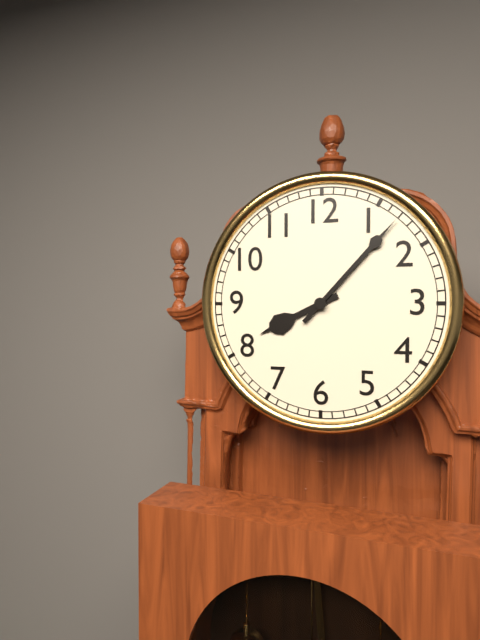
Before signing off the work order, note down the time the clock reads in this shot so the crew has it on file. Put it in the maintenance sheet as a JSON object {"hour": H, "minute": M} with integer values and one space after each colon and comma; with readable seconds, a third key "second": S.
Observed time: {"hour": 8, "minute": 7}
